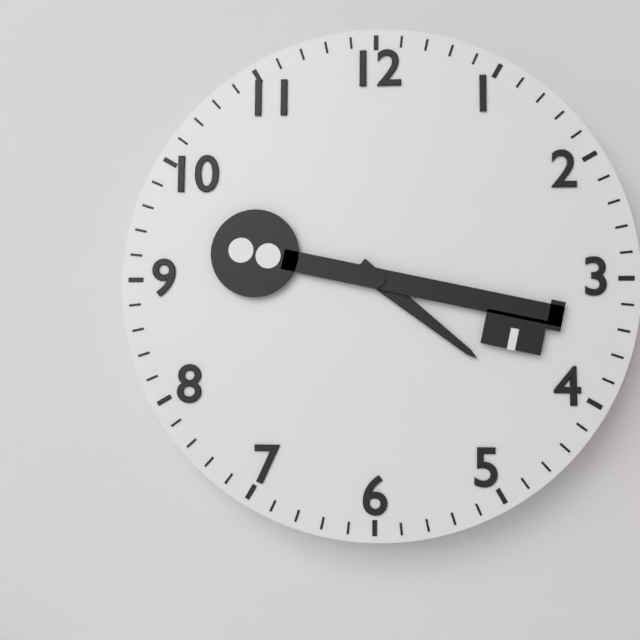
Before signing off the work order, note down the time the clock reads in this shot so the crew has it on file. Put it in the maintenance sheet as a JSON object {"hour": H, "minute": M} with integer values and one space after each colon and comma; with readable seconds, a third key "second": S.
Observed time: {"hour": 4, "minute": 17}
